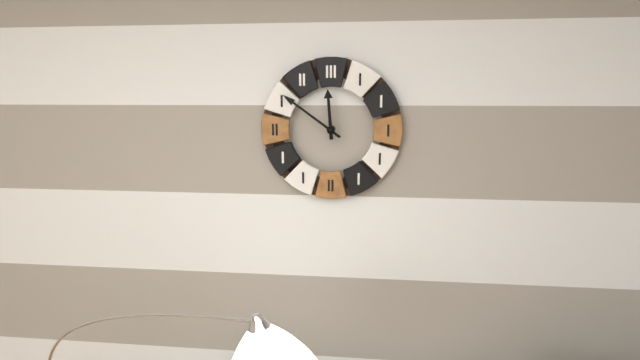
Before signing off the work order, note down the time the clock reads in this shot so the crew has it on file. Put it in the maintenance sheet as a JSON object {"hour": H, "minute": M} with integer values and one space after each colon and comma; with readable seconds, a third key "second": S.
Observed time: {"hour": 11, "minute": 51}
